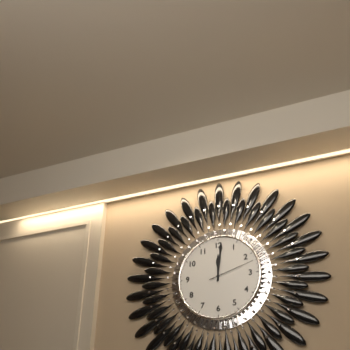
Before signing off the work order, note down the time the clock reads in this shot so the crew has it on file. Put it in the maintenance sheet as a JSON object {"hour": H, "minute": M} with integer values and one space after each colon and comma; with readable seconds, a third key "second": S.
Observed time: {"hour": 12, "minute": 1}
